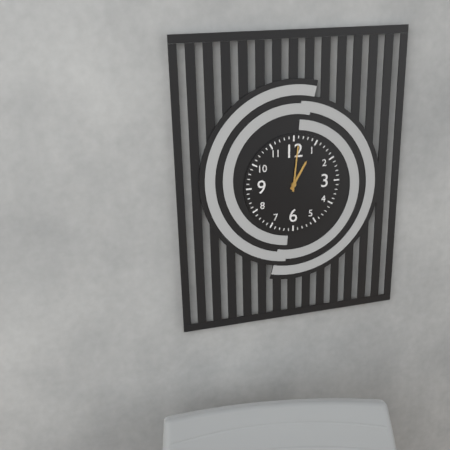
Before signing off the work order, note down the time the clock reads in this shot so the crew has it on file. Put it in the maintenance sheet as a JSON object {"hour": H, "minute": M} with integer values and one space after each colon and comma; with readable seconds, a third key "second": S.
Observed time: {"hour": 1, "minute": 1}
